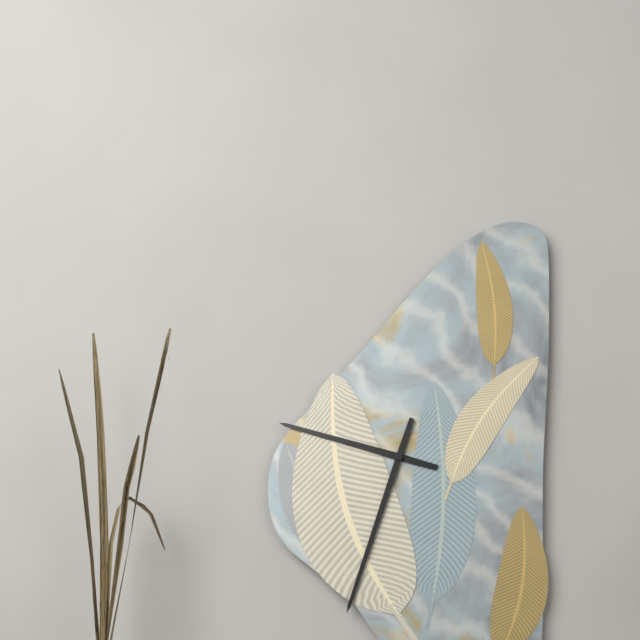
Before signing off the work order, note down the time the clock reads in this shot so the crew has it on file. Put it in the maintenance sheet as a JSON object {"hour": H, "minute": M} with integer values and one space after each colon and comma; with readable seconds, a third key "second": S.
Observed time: {"hour": 9, "minute": 33}
